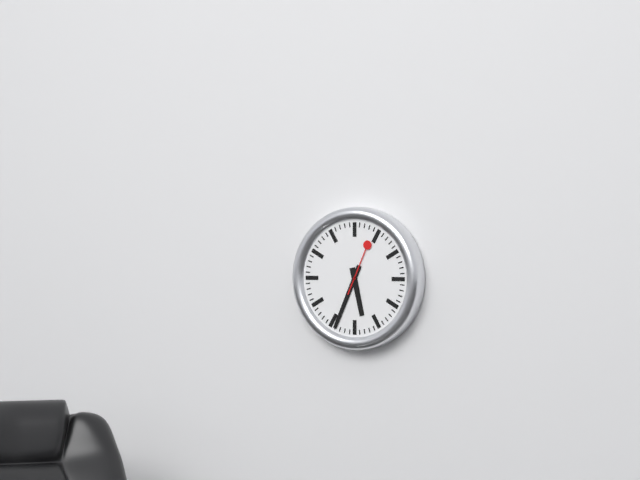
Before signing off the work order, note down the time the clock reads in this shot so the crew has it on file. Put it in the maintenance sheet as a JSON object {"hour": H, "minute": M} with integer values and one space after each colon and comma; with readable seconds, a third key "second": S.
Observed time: {"hour": 5, "minute": 34, "second": 4}
